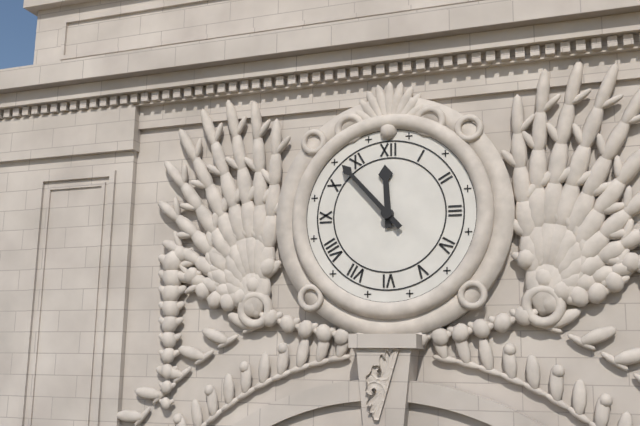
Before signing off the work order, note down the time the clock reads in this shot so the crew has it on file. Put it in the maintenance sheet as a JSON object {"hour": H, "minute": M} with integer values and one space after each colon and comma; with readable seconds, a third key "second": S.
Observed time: {"hour": 11, "minute": 53}
